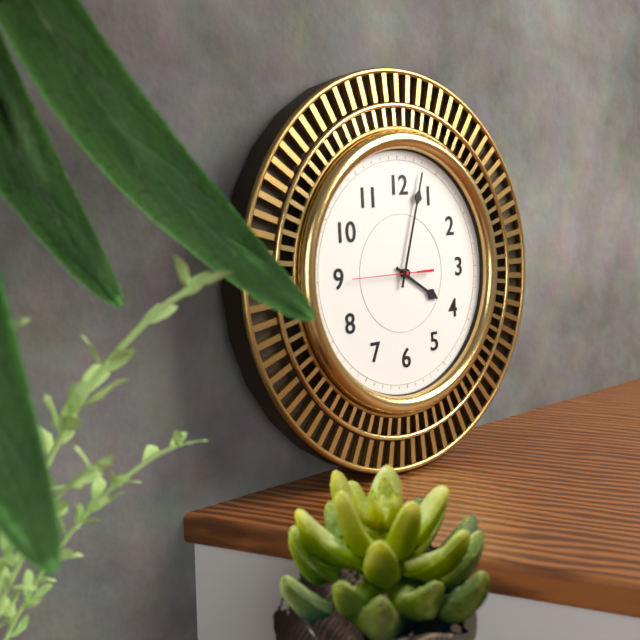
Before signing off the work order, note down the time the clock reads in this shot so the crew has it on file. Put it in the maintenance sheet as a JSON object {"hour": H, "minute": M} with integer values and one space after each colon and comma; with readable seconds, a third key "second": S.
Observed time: {"hour": 4, "minute": 3, "second": 45}
